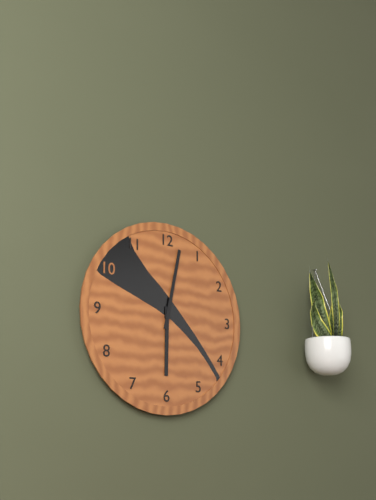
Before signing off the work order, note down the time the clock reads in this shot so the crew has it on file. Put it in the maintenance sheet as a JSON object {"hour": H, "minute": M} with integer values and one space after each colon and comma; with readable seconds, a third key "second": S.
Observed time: {"hour": 6, "minute": 2}
